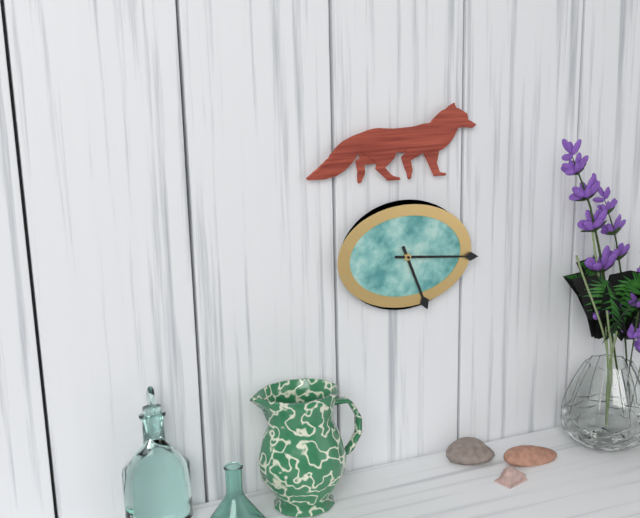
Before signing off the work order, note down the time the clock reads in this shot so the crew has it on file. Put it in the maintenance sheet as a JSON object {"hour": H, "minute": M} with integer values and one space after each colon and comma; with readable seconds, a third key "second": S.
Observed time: {"hour": 5, "minute": 16}
